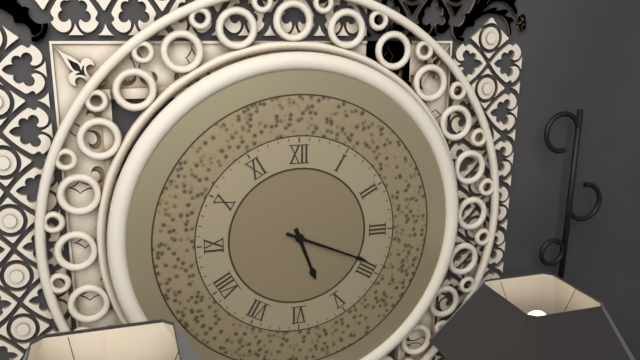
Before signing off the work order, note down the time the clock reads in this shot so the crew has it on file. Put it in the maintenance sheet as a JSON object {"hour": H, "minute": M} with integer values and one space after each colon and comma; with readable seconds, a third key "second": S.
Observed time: {"hour": 5, "minute": 19}
